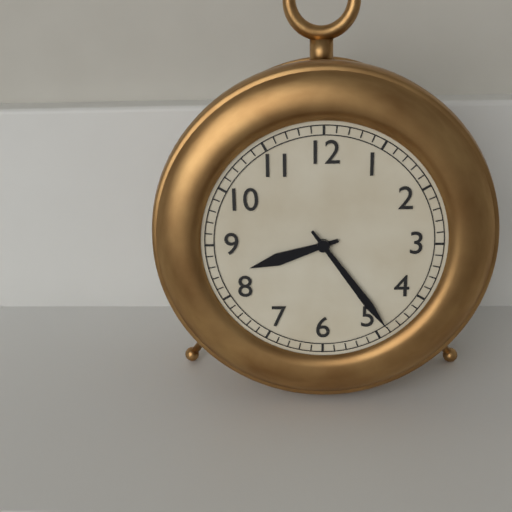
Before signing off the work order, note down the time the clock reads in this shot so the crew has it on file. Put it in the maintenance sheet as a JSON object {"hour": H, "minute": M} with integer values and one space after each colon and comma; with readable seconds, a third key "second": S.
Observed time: {"hour": 8, "minute": 24}
